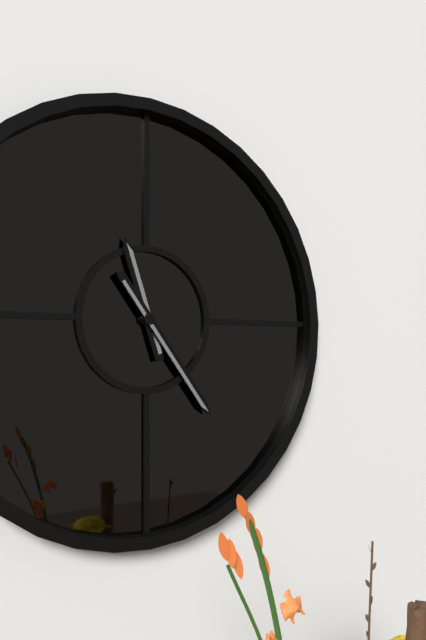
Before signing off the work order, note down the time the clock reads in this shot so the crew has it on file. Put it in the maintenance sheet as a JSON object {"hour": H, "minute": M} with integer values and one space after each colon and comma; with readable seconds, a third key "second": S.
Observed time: {"hour": 11, "minute": 24}
